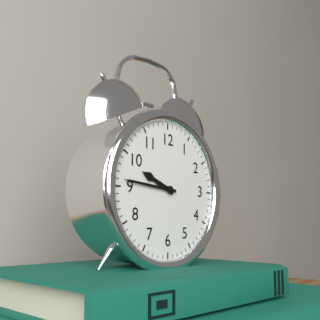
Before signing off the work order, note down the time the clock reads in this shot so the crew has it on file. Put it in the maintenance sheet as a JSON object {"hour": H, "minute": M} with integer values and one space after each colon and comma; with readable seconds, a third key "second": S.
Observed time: {"hour": 9, "minute": 46}
